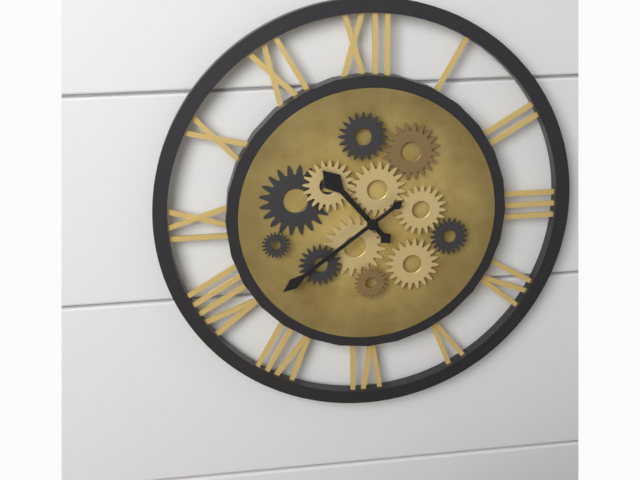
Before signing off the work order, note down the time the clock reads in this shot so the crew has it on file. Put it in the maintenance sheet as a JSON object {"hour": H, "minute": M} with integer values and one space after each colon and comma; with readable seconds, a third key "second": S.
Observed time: {"hour": 10, "minute": 39}
